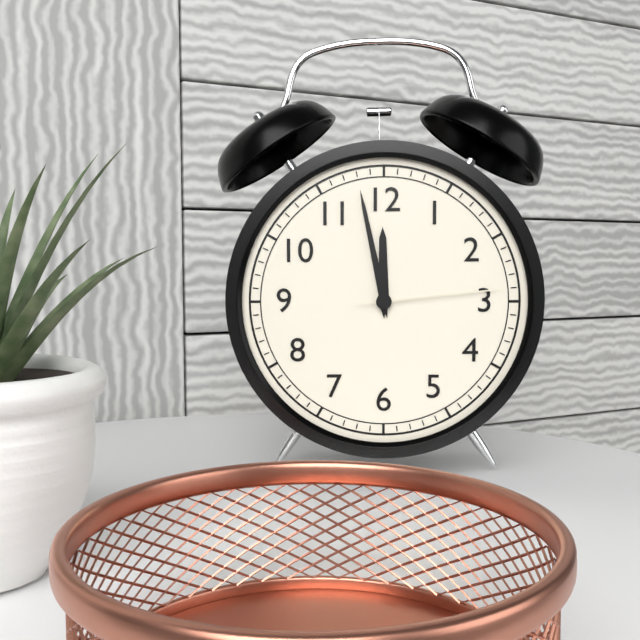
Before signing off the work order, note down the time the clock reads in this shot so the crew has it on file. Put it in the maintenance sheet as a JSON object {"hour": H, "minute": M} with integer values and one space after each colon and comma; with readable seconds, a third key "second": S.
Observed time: {"hour": 11, "minute": 58, "second": 14}
